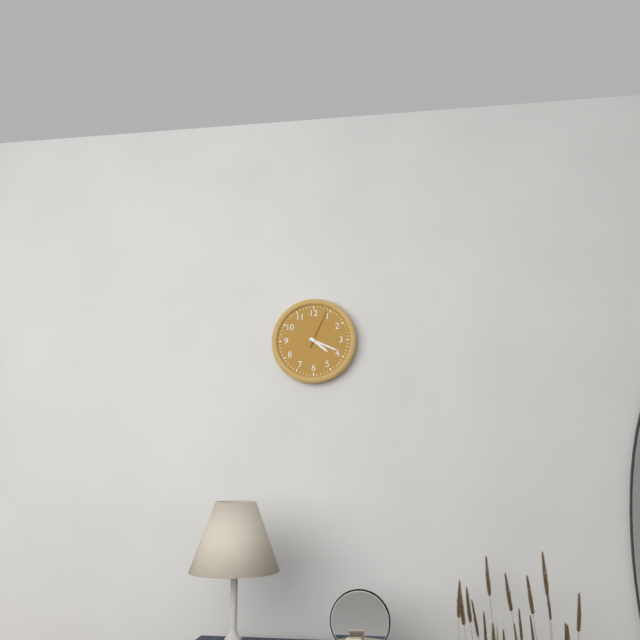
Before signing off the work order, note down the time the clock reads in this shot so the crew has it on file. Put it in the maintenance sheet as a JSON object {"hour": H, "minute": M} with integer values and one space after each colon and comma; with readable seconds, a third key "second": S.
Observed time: {"hour": 4, "minute": 19}
